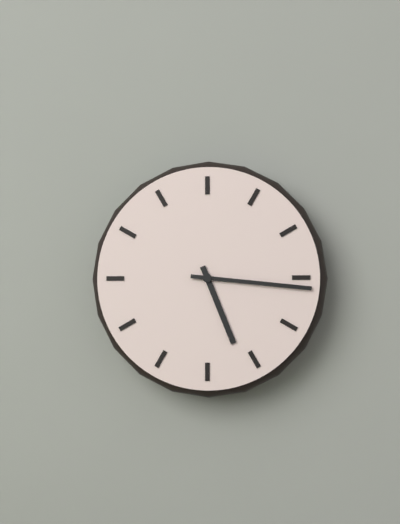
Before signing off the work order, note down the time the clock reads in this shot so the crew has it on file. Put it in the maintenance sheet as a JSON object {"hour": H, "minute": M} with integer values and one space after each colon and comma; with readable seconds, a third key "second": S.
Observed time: {"hour": 5, "minute": 16}
